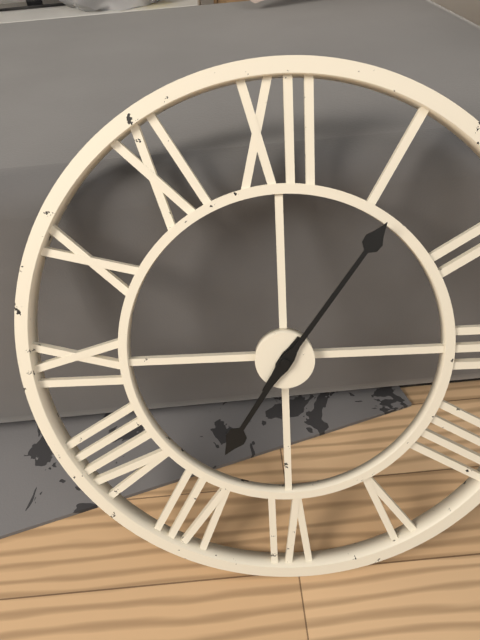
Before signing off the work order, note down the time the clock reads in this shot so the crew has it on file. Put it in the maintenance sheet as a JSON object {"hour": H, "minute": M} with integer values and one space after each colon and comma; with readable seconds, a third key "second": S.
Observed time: {"hour": 7, "minute": 6}
